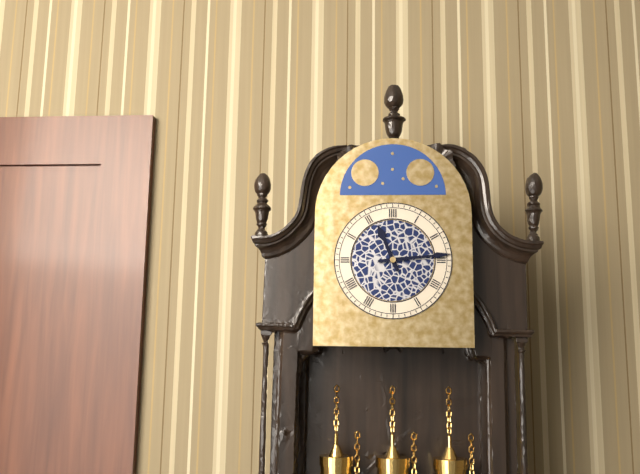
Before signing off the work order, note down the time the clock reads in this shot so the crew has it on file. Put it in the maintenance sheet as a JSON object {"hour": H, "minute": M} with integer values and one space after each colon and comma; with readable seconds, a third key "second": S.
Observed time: {"hour": 11, "minute": 14}
